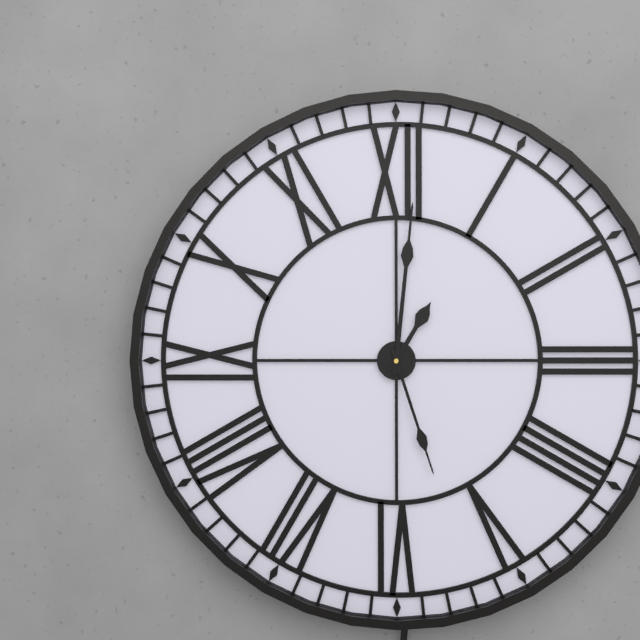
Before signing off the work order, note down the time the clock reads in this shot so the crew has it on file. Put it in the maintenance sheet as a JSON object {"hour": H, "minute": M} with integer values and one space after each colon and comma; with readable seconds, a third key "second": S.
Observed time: {"hour": 1, "minute": 1, "second": 27}
